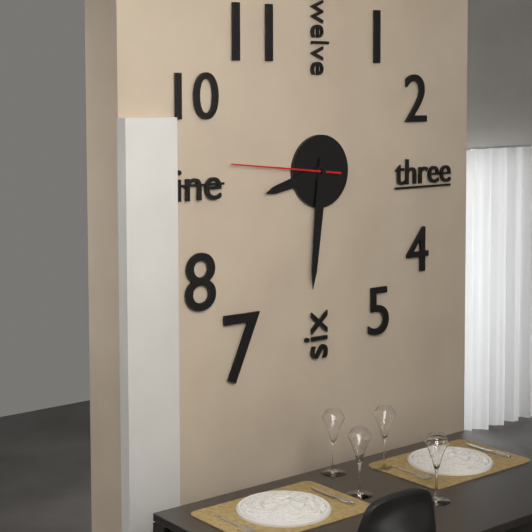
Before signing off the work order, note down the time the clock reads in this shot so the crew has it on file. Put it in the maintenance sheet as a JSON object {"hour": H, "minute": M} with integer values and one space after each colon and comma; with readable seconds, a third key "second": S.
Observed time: {"hour": 8, "minute": 31, "second": 46}
